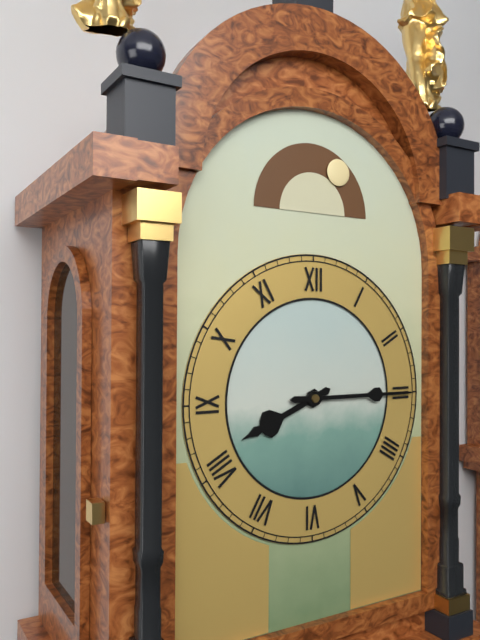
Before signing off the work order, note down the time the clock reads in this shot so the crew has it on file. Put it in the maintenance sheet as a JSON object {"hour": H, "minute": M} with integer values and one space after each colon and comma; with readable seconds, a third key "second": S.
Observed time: {"hour": 8, "minute": 15}
